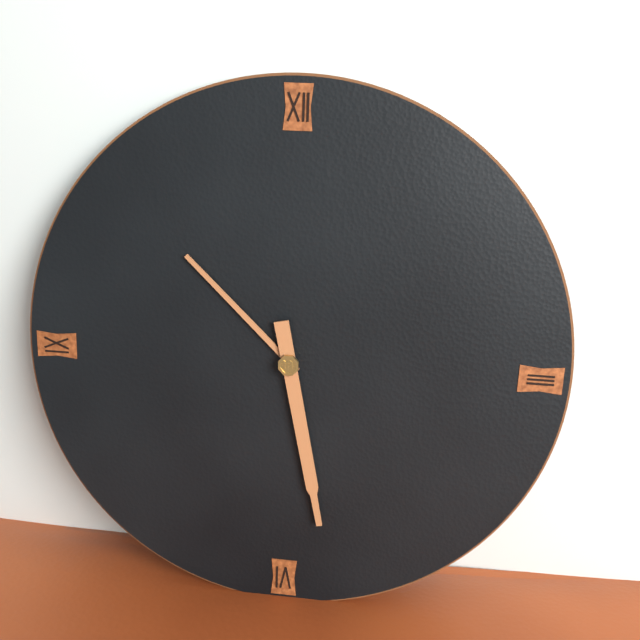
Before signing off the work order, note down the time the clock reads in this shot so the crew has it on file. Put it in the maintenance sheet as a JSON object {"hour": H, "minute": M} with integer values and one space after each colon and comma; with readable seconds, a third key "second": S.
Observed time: {"hour": 10, "minute": 28}
